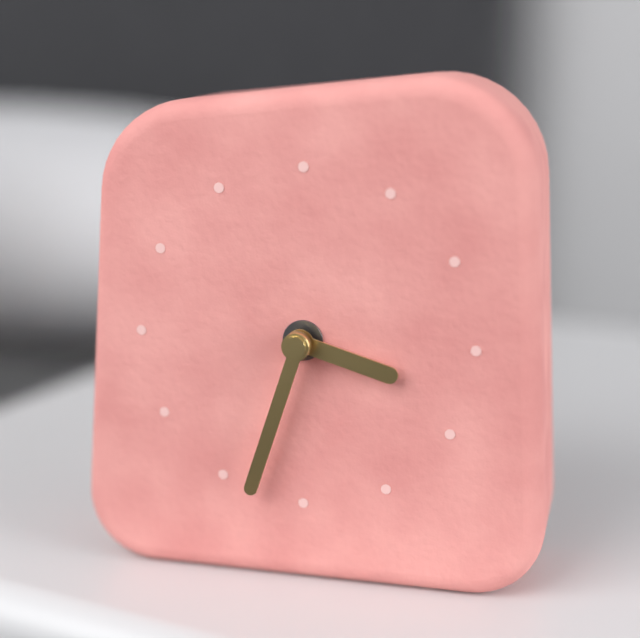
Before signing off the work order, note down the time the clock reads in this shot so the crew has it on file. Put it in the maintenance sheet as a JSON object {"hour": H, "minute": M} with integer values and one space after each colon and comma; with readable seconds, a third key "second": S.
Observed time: {"hour": 3, "minute": 33}
